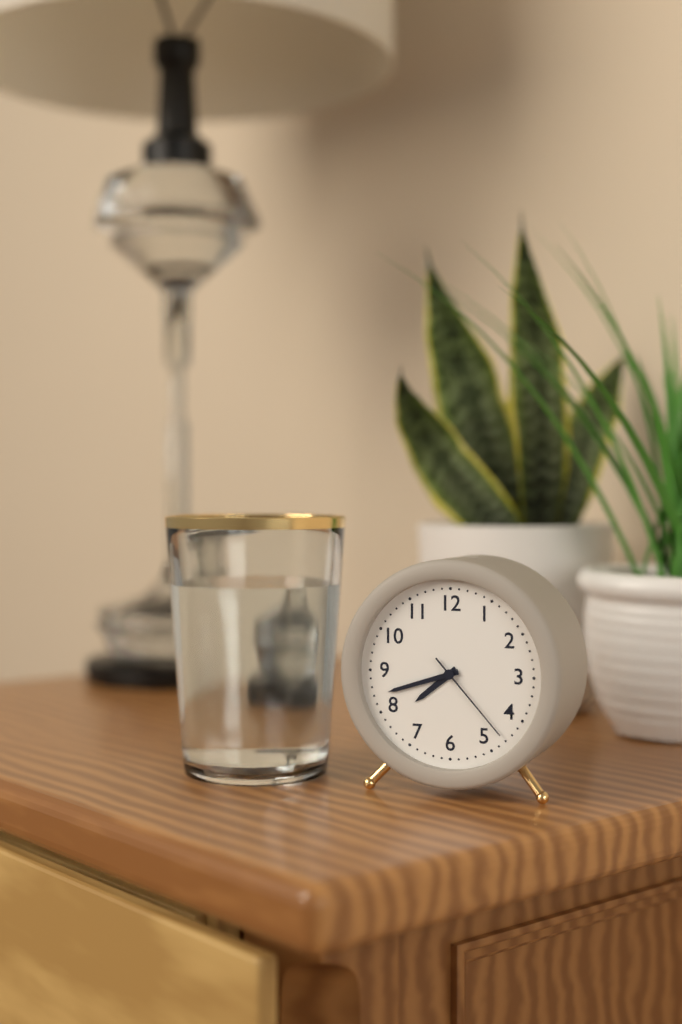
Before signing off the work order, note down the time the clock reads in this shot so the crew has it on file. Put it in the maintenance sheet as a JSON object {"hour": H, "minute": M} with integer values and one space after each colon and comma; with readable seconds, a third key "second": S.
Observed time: {"hour": 7, "minute": 42, "second": 23}
